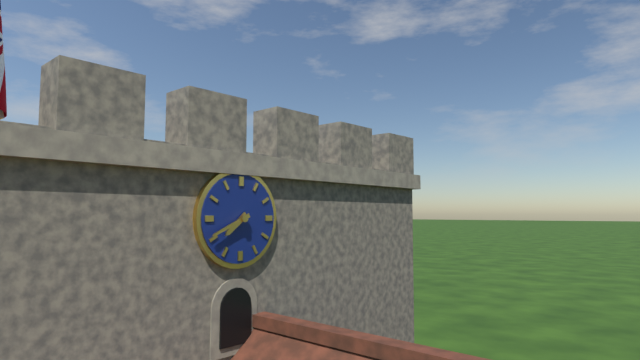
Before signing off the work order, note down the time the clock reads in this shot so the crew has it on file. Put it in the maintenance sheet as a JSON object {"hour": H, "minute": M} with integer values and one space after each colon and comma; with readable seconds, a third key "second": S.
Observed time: {"hour": 7, "minute": 41}
